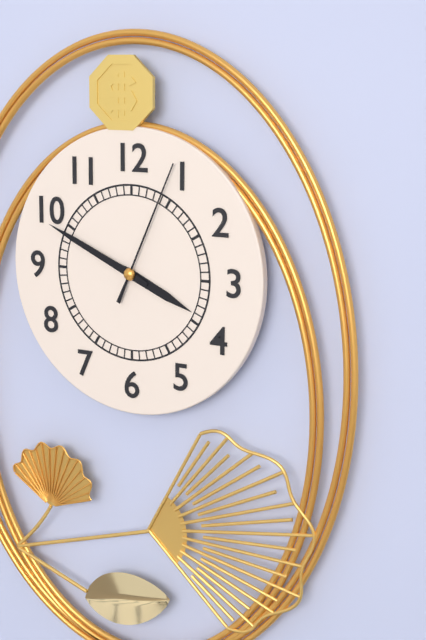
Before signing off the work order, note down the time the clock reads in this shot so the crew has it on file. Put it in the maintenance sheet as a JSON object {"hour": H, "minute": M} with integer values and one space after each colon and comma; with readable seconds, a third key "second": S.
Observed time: {"hour": 3, "minute": 49, "second": 4}
